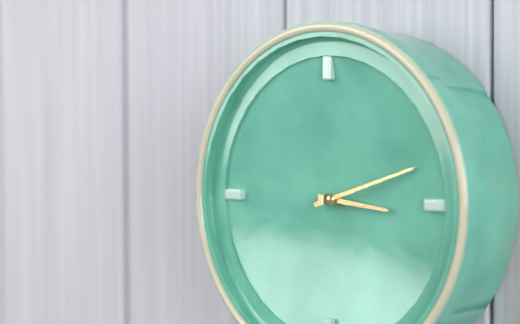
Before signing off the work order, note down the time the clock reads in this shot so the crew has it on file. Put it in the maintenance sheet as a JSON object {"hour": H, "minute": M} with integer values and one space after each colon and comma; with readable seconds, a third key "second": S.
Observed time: {"hour": 3, "minute": 12}
